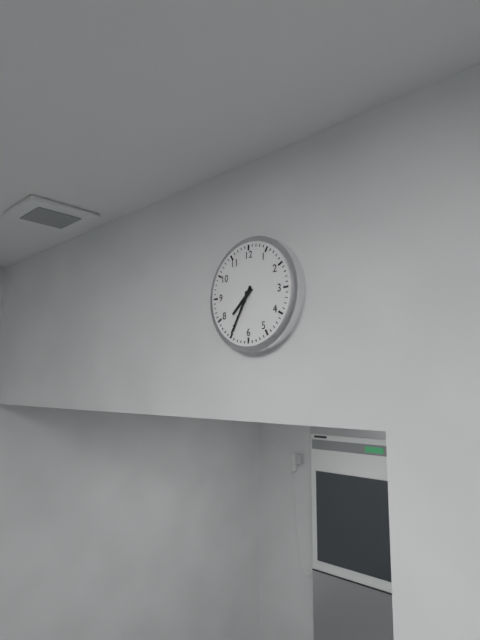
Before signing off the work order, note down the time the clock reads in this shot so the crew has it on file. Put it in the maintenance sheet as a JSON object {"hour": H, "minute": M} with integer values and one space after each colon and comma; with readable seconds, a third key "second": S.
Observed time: {"hour": 7, "minute": 35}
